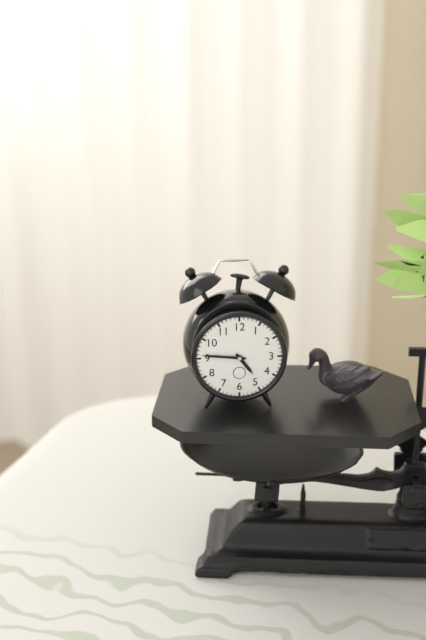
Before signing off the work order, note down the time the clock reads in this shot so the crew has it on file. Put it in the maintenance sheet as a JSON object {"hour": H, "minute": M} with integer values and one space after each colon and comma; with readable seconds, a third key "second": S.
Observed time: {"hour": 4, "minute": 46}
